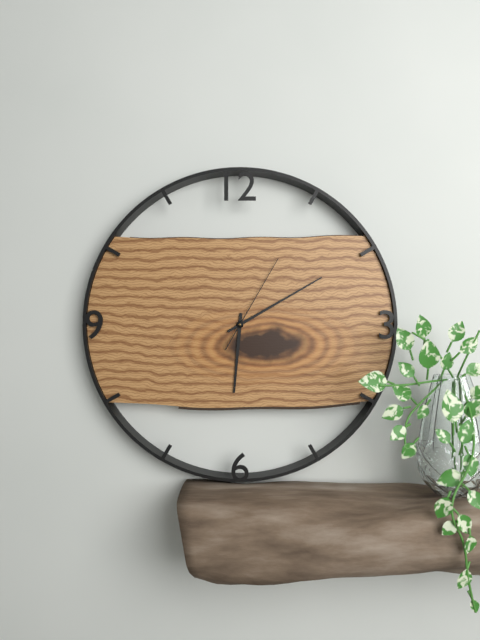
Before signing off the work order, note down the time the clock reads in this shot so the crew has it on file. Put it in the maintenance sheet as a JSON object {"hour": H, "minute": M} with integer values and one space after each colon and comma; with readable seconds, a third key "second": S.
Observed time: {"hour": 6, "minute": 10, "second": 5}
